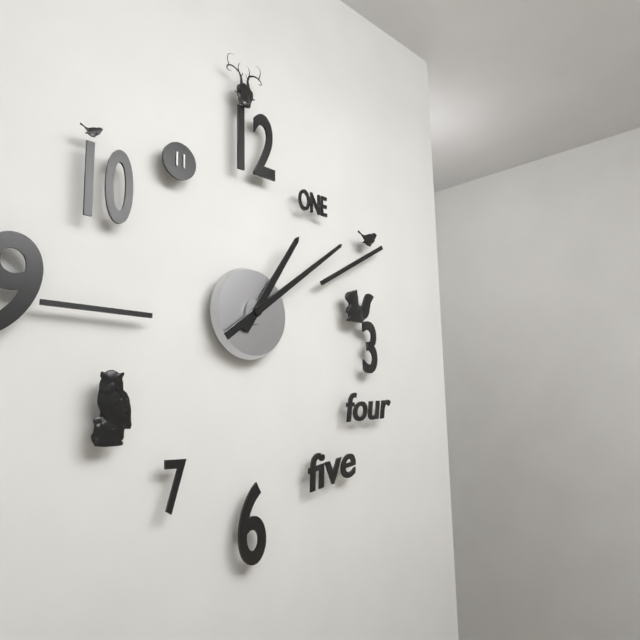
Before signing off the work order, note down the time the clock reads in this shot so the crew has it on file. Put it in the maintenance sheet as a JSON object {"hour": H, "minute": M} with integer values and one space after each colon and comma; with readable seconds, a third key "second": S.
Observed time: {"hour": 1, "minute": 9}
